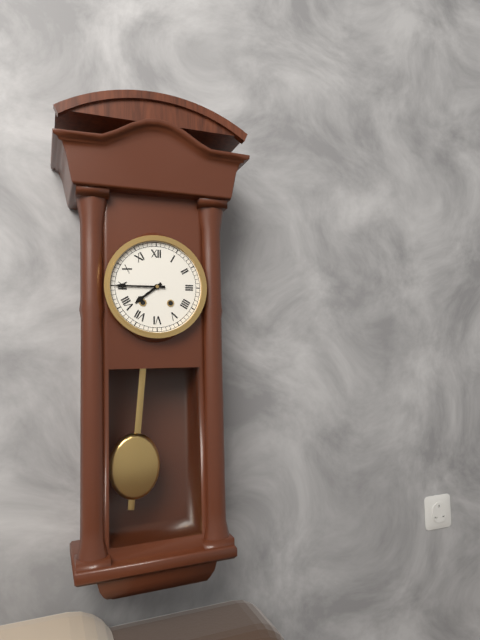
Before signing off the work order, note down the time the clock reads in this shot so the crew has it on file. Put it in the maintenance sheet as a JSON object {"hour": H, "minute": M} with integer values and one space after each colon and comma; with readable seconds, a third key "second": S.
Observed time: {"hour": 7, "minute": 45}
